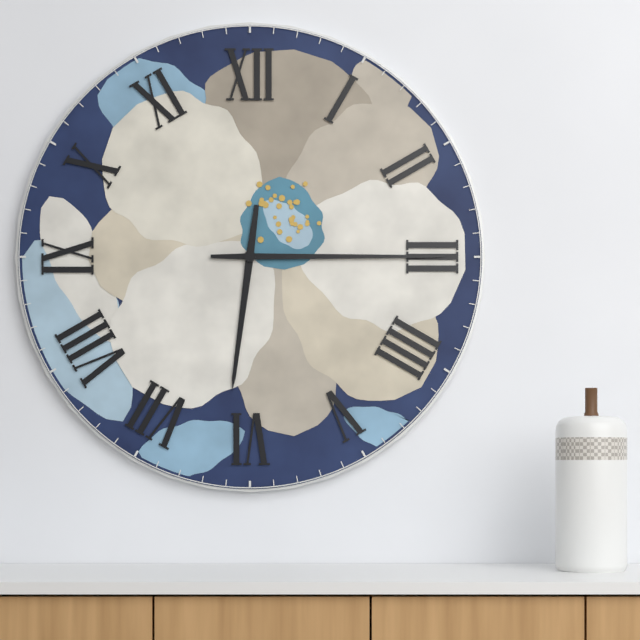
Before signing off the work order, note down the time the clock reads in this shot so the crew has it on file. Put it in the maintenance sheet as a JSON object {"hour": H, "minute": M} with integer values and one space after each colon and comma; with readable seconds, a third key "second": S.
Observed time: {"hour": 6, "minute": 15}
